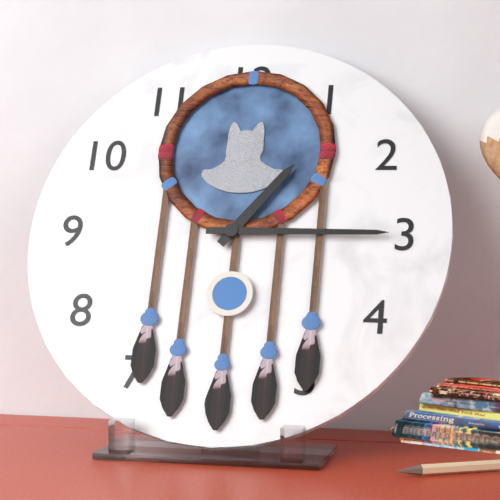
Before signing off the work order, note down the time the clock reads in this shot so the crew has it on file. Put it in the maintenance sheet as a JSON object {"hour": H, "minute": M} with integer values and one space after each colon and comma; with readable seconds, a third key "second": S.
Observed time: {"hour": 1, "minute": 15}
